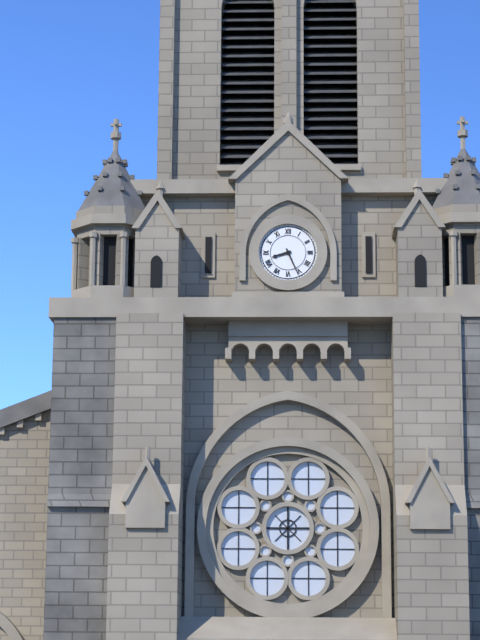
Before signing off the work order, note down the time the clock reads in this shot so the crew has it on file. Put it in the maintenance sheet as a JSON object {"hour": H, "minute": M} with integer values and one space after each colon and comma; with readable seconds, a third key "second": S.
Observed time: {"hour": 8, "minute": 26}
